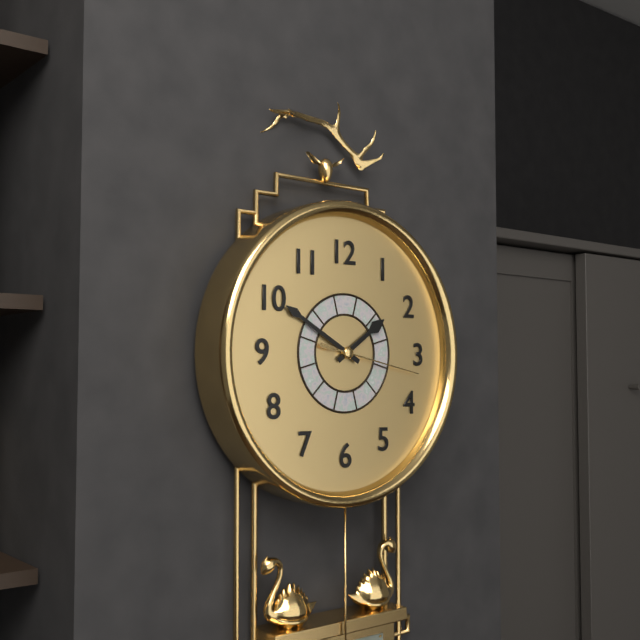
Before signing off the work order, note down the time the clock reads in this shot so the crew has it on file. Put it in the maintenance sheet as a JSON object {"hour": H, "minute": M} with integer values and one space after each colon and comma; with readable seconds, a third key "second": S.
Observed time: {"hour": 1, "minute": 50, "second": 17}
